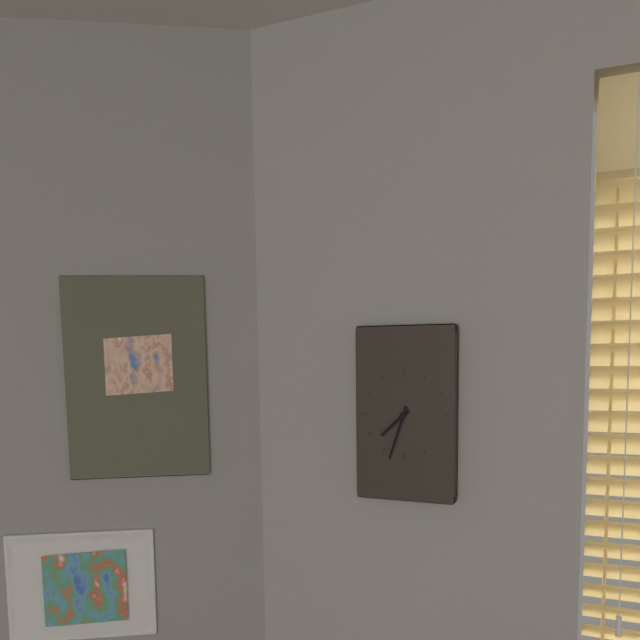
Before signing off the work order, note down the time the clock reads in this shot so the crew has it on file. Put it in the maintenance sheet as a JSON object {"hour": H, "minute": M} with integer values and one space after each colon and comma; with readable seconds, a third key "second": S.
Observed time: {"hour": 7, "minute": 33}
